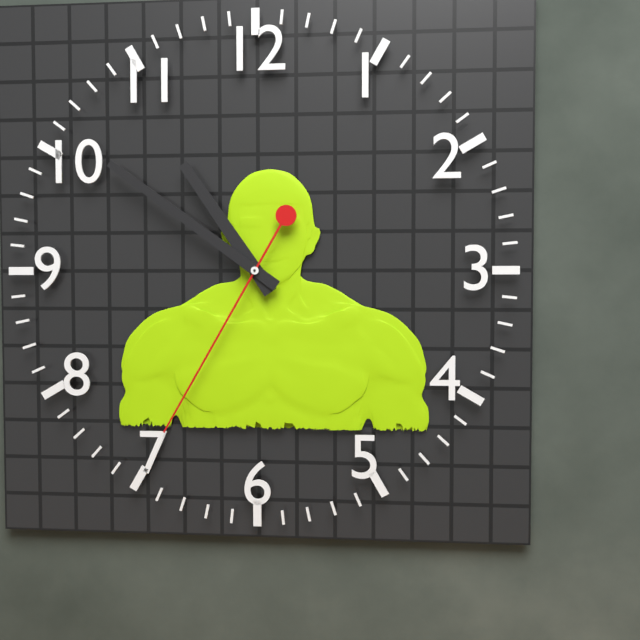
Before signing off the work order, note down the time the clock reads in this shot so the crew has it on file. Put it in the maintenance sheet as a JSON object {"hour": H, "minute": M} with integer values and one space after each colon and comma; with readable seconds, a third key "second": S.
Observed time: {"hour": 10, "minute": 51, "second": 35}
